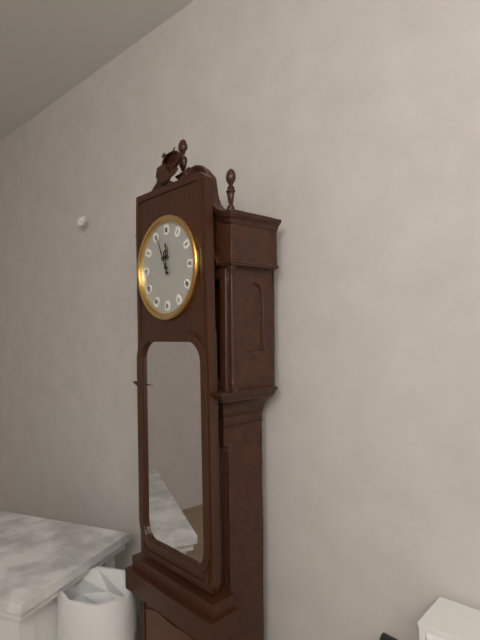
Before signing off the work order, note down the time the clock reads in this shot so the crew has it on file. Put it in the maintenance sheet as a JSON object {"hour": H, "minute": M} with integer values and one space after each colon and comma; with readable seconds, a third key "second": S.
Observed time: {"hour": 11, "minute": 56}
